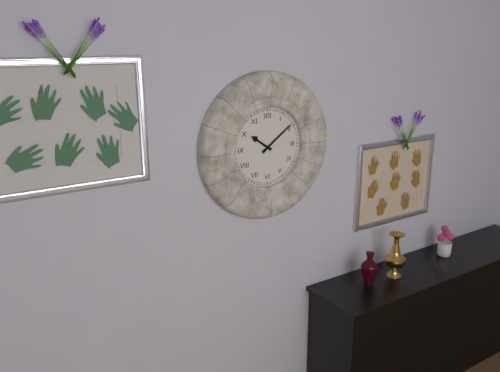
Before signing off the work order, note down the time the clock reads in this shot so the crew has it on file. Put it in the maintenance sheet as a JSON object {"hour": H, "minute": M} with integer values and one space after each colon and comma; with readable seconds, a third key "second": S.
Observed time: {"hour": 10, "minute": 9}
